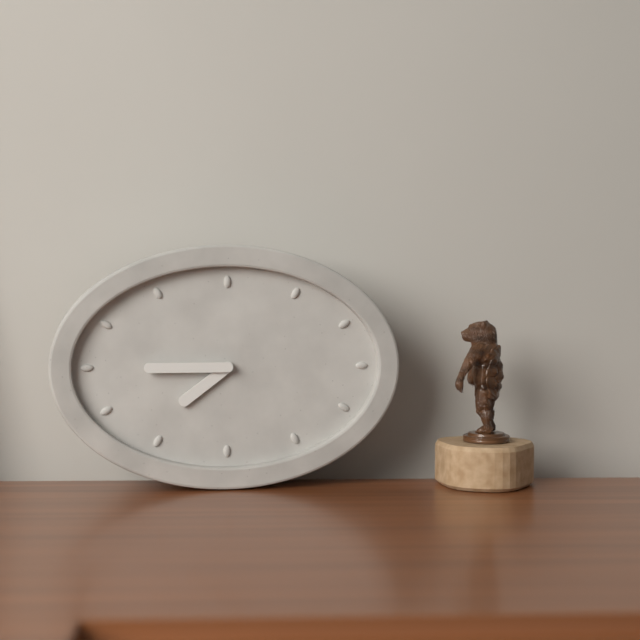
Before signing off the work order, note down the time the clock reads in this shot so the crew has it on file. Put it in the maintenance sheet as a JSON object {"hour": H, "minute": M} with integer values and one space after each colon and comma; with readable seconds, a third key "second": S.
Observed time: {"hour": 7, "minute": 45}
